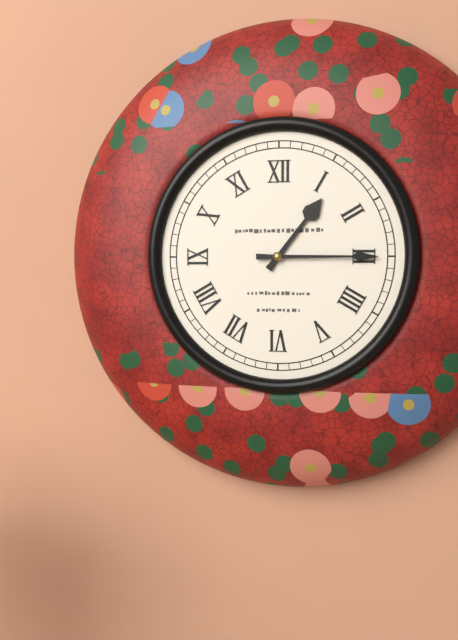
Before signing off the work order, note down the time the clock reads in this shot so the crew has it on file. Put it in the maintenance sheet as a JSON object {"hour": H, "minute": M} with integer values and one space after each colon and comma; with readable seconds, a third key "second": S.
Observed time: {"hour": 1, "minute": 15}
